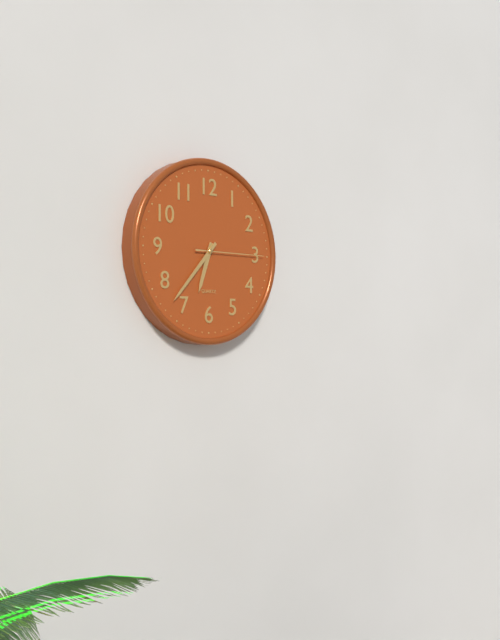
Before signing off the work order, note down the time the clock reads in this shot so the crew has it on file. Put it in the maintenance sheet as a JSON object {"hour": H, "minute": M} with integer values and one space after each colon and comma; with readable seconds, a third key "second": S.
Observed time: {"hour": 6, "minute": 37, "second": 15}
